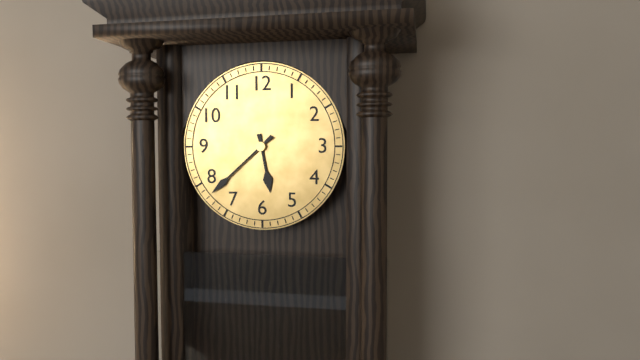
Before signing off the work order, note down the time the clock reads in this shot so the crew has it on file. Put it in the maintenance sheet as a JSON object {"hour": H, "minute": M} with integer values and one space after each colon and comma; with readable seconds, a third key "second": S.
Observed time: {"hour": 5, "minute": 38}
